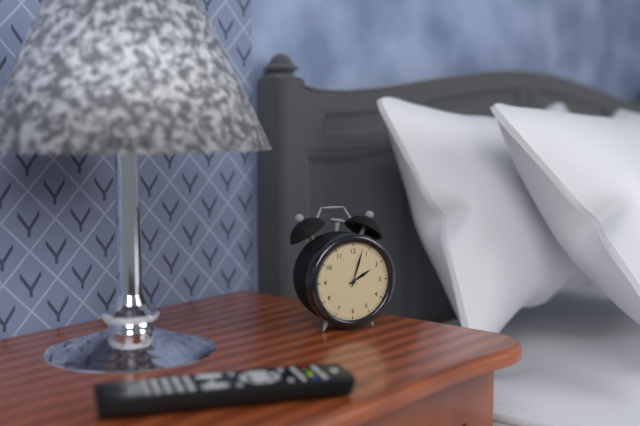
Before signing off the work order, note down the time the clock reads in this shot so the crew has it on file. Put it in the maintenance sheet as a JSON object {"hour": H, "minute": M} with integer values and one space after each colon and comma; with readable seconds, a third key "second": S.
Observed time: {"hour": 2, "minute": 3}
